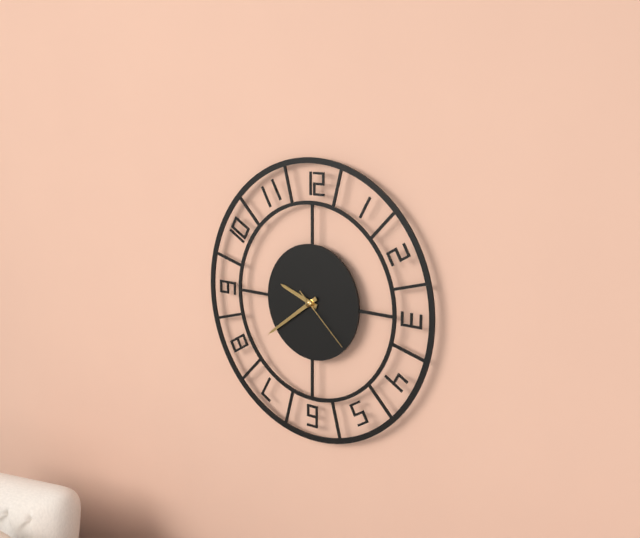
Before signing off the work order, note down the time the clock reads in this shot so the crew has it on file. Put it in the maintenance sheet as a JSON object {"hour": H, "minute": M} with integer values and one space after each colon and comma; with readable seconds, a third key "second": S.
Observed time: {"hour": 9, "minute": 39, "second": 22}
